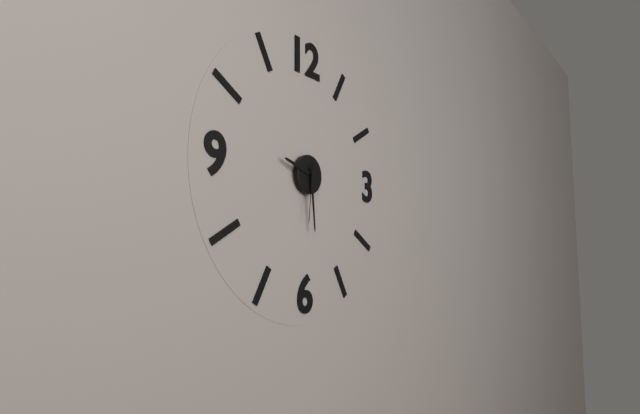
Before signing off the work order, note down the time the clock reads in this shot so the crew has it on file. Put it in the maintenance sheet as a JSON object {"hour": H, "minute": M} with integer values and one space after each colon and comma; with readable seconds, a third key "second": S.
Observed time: {"hour": 9, "minute": 29, "second": 31}
